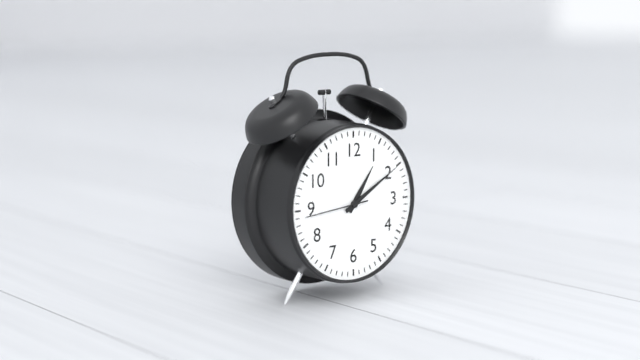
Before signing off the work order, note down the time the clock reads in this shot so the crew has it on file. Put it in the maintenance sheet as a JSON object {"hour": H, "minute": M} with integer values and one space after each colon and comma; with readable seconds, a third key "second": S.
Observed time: {"hour": 1, "minute": 10, "second": 44}
